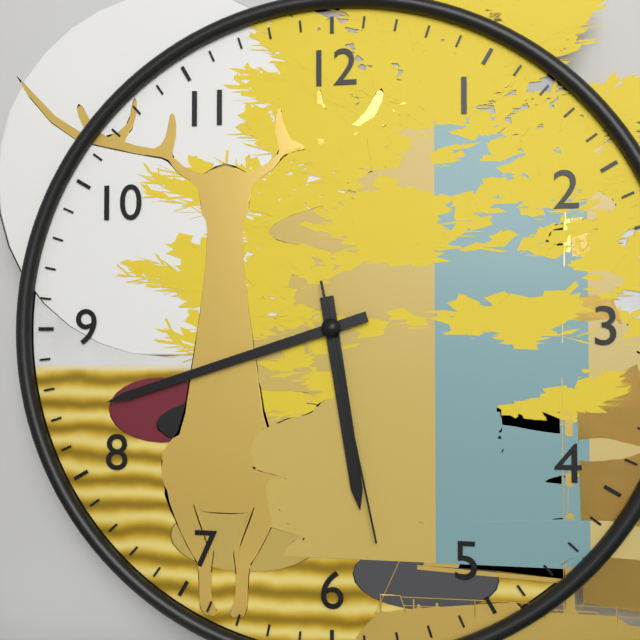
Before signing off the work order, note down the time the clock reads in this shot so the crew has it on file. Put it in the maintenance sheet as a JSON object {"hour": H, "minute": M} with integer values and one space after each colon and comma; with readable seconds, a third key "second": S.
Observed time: {"hour": 5, "minute": 42, "second": 28}
